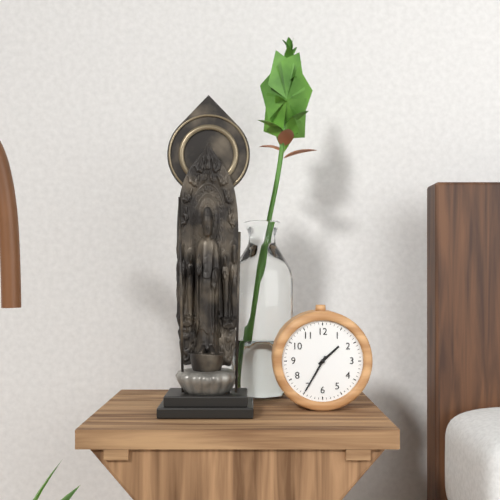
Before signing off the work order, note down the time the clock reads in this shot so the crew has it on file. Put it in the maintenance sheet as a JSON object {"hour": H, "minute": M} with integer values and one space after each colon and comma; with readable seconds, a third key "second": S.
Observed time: {"hour": 1, "minute": 35}
